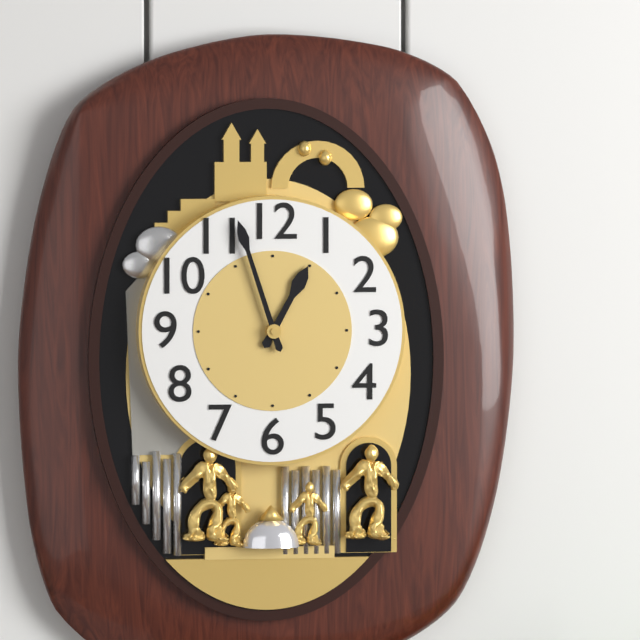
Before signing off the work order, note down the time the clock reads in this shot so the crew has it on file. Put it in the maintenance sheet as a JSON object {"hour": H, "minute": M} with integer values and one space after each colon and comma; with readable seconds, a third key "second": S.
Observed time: {"hour": 12, "minute": 57}
